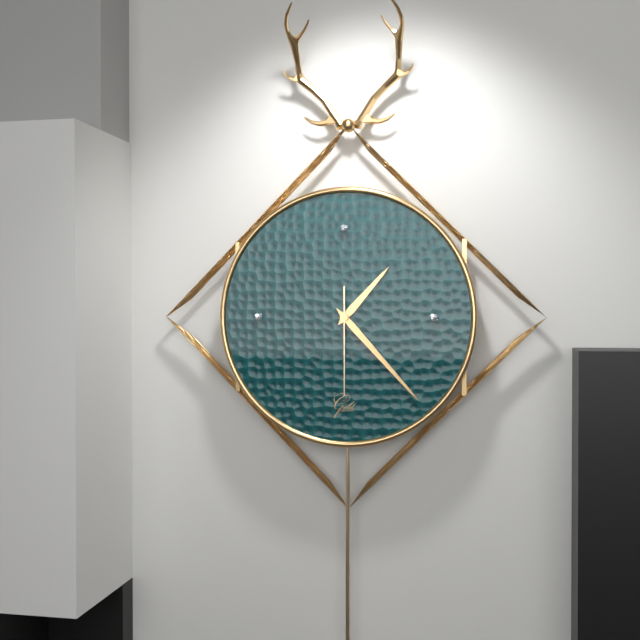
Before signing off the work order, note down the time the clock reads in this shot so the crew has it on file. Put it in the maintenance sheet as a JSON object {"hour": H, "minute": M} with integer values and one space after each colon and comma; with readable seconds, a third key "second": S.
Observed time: {"hour": 1, "minute": 23, "second": 30}
